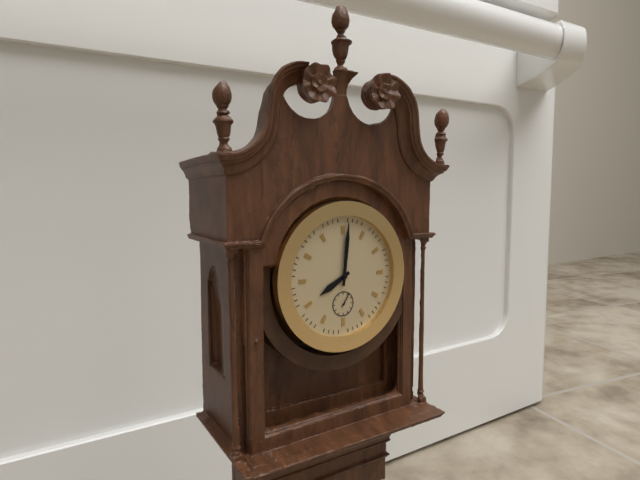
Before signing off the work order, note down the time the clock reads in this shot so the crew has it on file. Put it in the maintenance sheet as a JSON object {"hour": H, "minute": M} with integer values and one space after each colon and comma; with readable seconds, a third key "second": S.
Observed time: {"hour": 8, "minute": 1}
